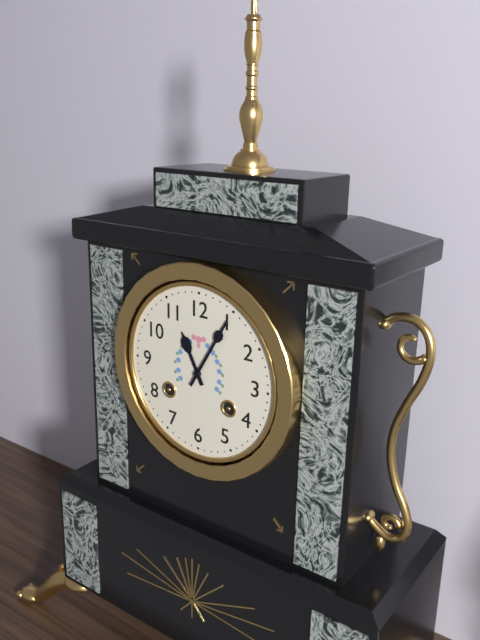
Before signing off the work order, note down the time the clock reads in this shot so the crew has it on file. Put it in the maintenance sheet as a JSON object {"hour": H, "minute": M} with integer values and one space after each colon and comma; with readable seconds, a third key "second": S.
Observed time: {"hour": 11, "minute": 5}
